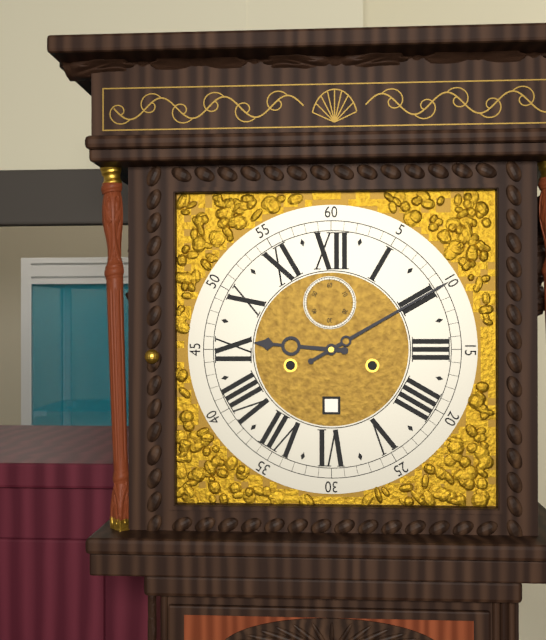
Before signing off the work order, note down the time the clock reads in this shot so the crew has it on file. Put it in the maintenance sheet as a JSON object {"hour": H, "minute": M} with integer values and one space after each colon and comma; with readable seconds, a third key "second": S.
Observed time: {"hour": 9, "minute": 10}
